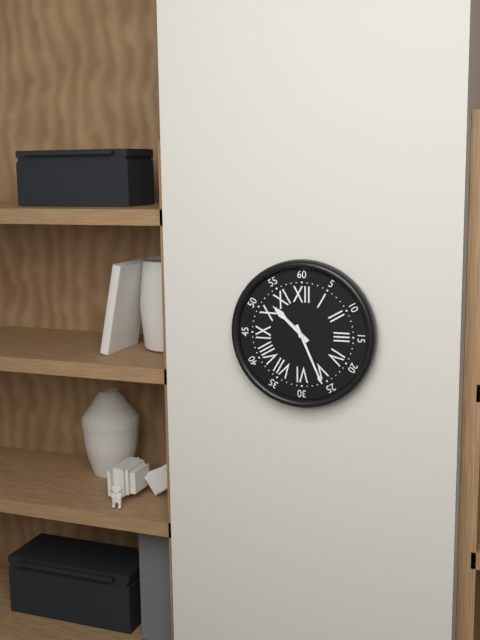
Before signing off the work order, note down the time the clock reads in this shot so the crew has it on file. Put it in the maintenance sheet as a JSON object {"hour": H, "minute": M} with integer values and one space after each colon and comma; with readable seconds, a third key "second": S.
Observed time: {"hour": 10, "minute": 26}
